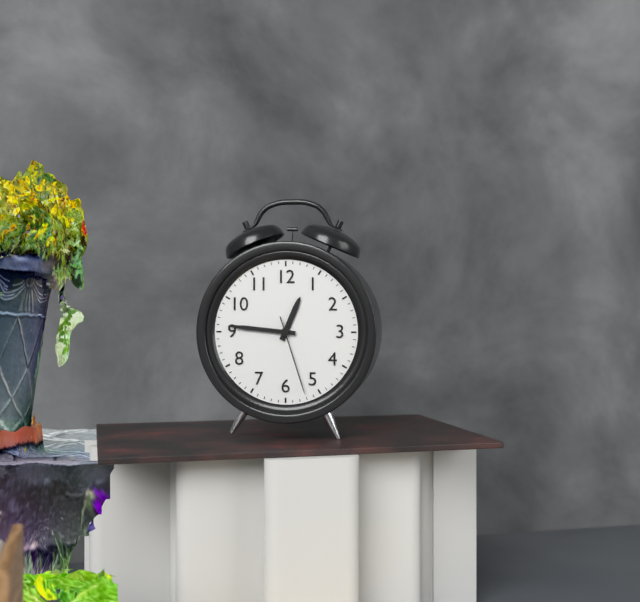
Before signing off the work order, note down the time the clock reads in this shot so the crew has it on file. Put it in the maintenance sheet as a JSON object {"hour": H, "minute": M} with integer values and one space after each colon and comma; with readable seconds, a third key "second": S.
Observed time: {"hour": 12, "minute": 46, "second": 27}
